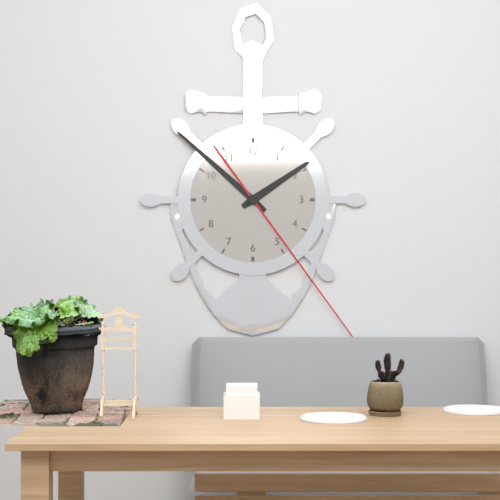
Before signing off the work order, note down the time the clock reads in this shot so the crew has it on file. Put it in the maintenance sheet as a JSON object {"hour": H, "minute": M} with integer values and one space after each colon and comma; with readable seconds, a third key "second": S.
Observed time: {"hour": 1, "minute": 52, "second": 24}
